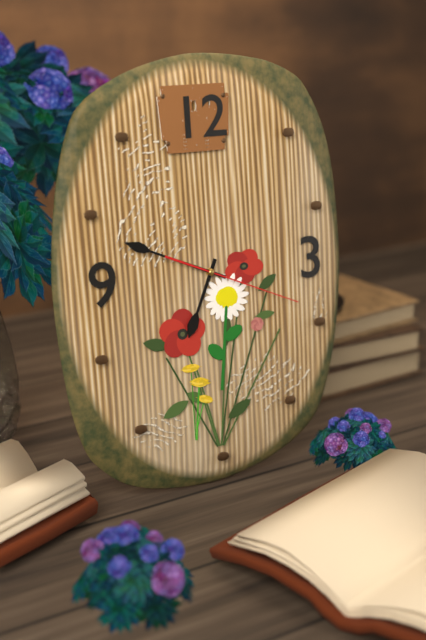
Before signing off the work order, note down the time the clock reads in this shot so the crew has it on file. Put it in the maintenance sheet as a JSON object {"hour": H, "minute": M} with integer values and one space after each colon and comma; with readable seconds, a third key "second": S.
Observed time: {"hour": 6, "minute": 49, "second": 19}
